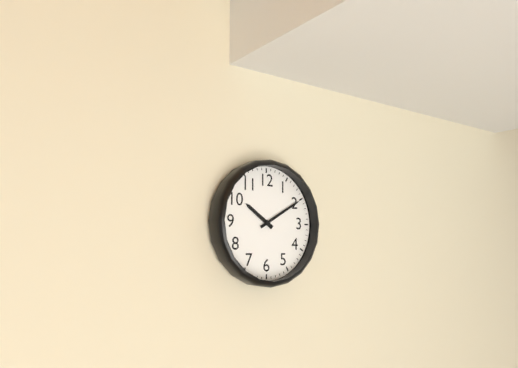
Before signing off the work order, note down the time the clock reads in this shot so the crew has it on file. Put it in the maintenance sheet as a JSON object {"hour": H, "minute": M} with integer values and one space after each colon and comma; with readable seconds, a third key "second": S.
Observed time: {"hour": 10, "minute": 10}
